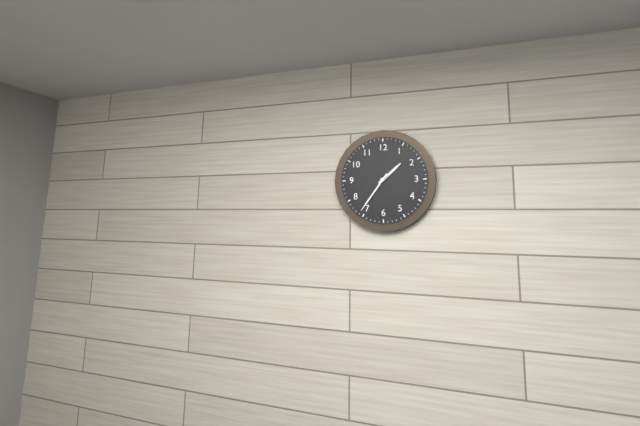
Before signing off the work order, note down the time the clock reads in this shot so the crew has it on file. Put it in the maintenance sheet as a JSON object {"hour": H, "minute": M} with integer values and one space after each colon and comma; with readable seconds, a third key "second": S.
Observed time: {"hour": 1, "minute": 36}
